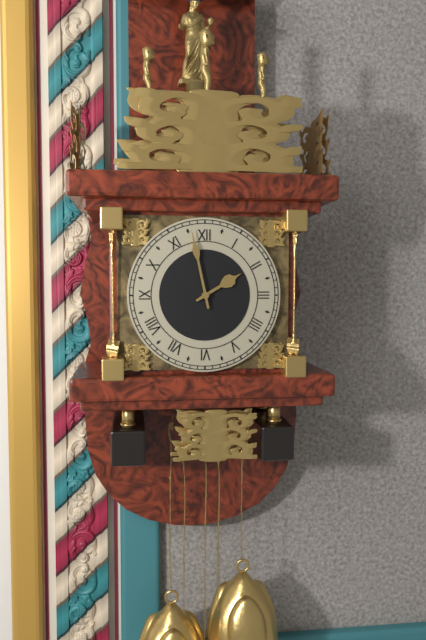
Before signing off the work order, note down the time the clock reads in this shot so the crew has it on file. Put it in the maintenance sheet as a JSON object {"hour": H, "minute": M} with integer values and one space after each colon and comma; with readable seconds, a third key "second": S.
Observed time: {"hour": 1, "minute": 58}
